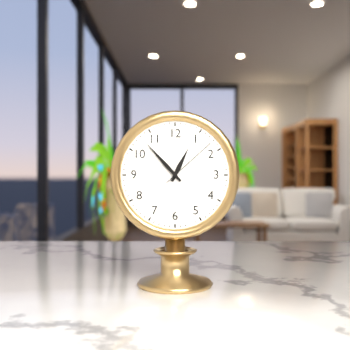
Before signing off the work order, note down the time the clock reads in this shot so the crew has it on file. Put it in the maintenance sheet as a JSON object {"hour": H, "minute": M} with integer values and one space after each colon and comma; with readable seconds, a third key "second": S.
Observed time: {"hour": 12, "minute": 53, "second": 8}
